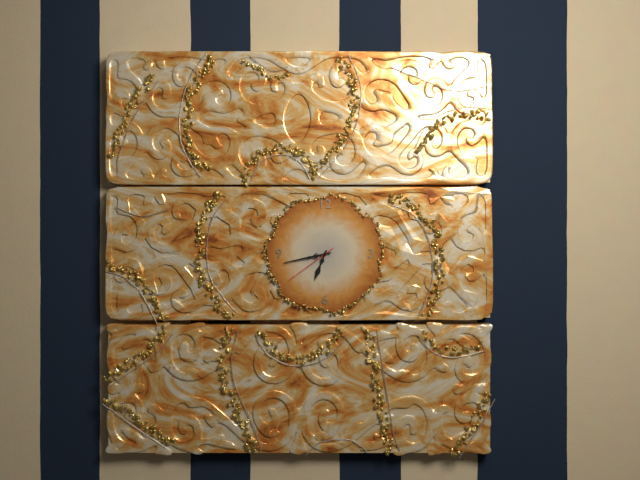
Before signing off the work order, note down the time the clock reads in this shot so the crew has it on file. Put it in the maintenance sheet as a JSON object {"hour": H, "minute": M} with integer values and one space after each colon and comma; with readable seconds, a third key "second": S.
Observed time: {"hour": 6, "minute": 43, "second": 39}
